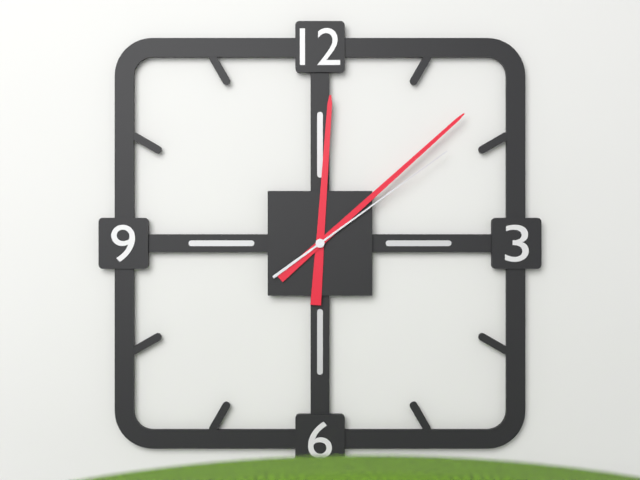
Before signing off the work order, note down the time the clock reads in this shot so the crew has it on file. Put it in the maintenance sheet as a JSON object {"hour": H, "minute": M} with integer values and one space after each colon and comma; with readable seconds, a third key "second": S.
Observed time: {"hour": 12, "minute": 8, "second": 9}
